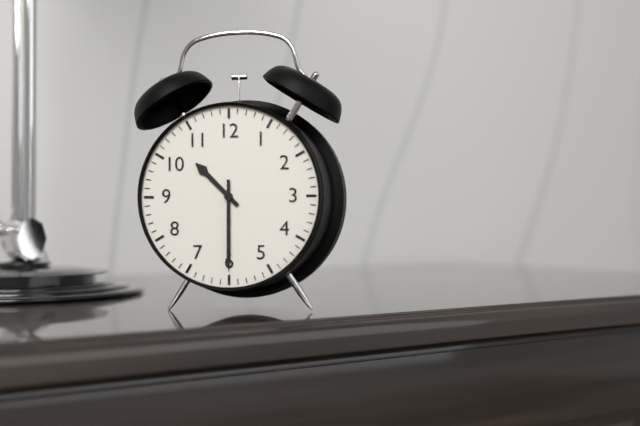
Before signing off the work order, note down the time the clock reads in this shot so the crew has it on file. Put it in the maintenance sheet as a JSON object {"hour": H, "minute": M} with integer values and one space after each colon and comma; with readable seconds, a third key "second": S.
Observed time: {"hour": 10, "minute": 30}
